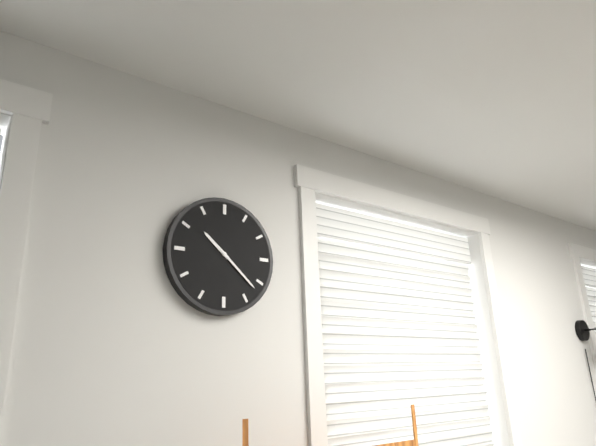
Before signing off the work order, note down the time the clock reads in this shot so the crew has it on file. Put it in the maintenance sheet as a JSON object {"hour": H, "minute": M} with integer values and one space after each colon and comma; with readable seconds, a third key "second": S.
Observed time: {"hour": 10, "minute": 22}
